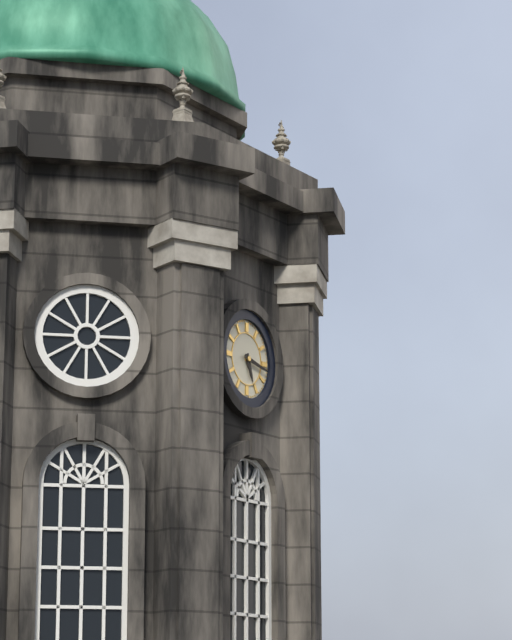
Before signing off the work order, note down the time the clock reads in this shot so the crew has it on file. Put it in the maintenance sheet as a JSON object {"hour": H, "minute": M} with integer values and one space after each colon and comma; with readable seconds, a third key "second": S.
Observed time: {"hour": 5, "minute": 17}
